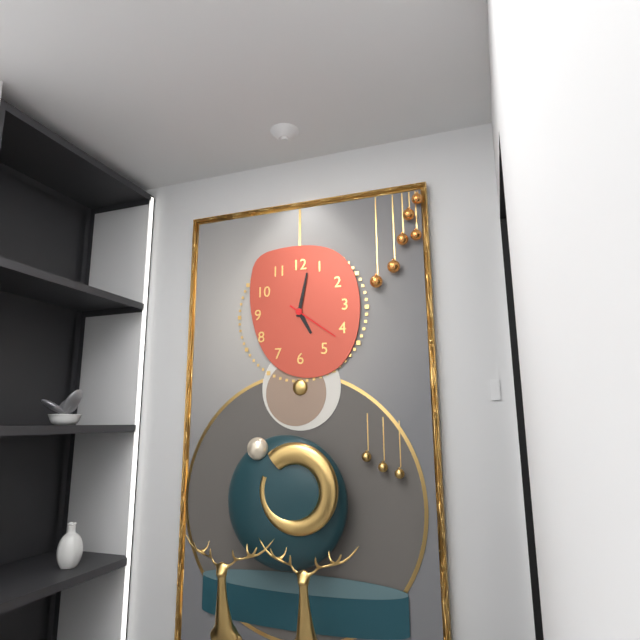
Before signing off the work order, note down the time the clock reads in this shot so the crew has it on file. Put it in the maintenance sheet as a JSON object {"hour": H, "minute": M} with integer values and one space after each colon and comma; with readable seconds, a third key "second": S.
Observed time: {"hour": 5, "minute": 2}
